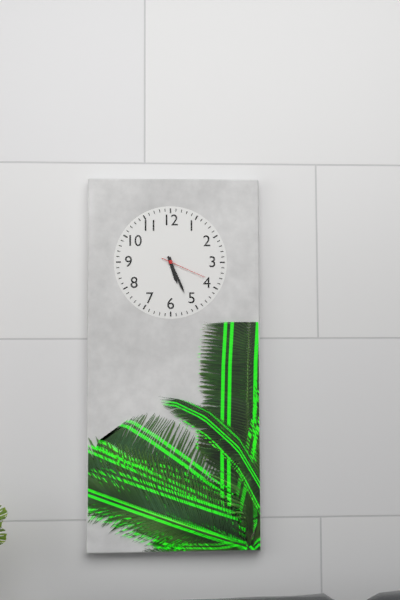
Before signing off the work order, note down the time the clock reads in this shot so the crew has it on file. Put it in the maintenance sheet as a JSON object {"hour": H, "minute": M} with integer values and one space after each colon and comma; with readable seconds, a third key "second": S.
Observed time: {"hour": 5, "minute": 26}
